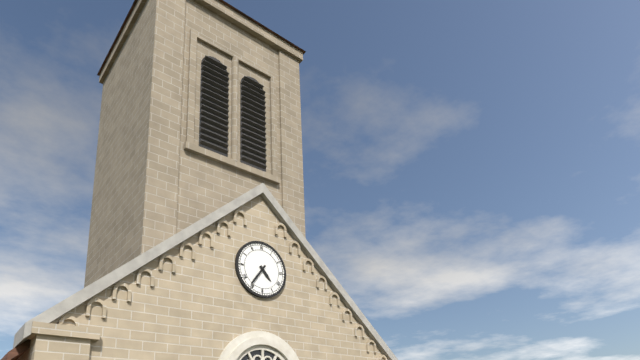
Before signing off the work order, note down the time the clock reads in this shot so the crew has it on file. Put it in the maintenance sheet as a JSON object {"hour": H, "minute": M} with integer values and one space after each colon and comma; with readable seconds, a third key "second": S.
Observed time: {"hour": 4, "minute": 36}
